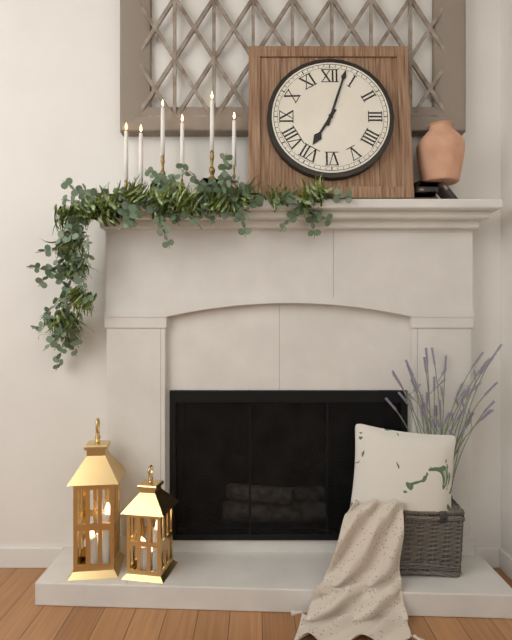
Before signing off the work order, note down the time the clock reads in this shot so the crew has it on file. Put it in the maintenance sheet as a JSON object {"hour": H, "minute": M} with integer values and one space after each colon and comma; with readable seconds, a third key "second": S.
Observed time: {"hour": 7, "minute": 3}
